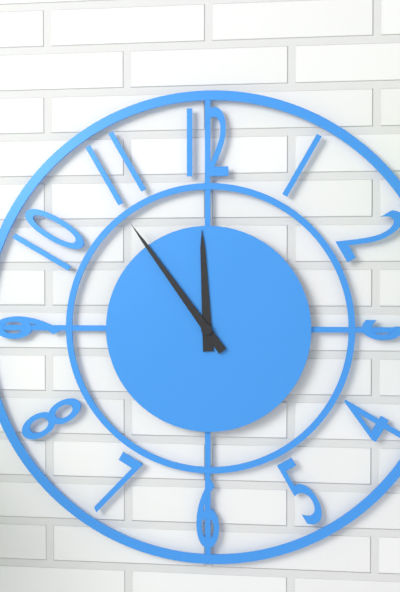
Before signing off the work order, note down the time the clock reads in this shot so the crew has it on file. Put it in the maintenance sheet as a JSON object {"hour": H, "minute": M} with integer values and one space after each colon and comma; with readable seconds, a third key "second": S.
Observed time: {"hour": 11, "minute": 54}
